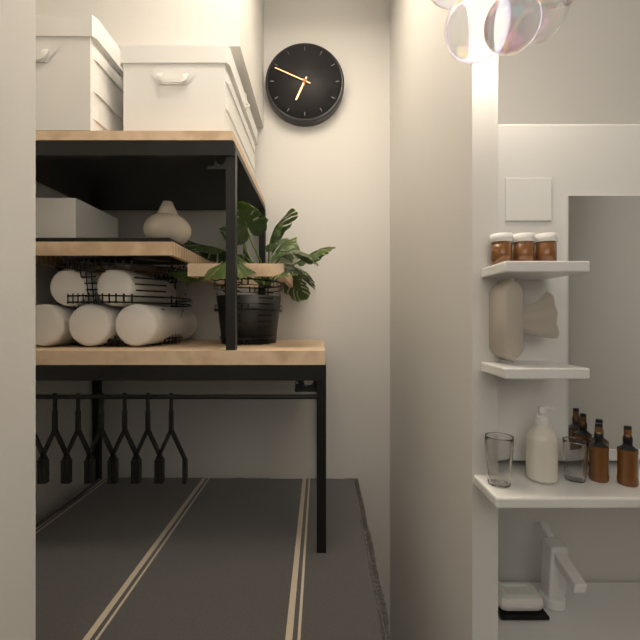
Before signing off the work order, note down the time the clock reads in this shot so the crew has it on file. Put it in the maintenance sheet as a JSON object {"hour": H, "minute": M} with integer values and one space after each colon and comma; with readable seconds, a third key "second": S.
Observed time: {"hour": 6, "minute": 49}
